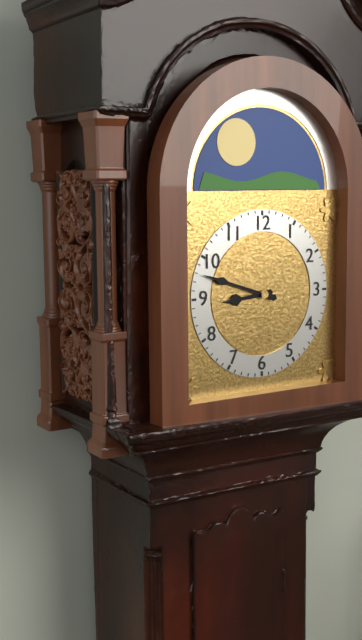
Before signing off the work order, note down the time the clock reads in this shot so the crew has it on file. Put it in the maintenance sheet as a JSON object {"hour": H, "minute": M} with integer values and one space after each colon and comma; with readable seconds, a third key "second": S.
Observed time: {"hour": 8, "minute": 48}
